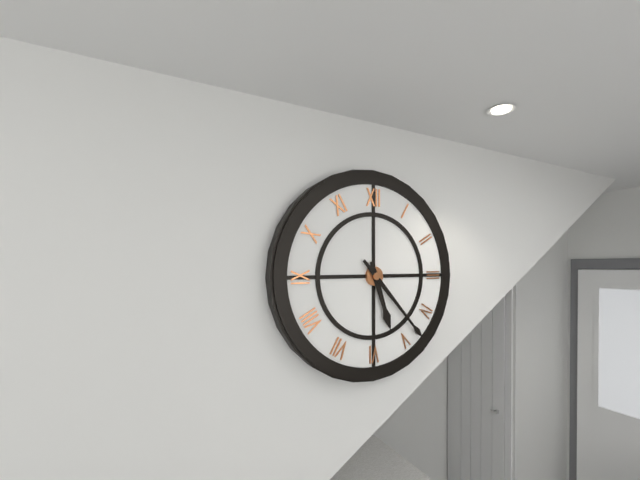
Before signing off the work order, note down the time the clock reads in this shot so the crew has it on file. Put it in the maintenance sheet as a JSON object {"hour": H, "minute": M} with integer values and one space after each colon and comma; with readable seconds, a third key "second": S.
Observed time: {"hour": 5, "minute": 23}
